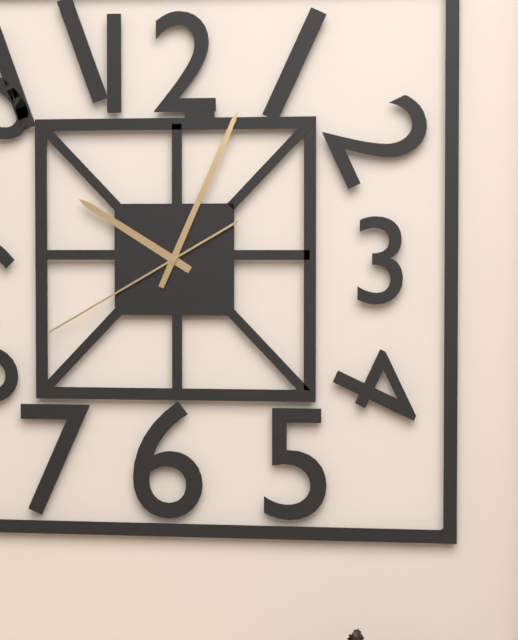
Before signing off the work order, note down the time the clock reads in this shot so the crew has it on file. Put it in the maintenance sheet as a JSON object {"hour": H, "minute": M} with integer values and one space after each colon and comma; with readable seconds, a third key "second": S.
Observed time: {"hour": 10, "minute": 4, "second": 40}
